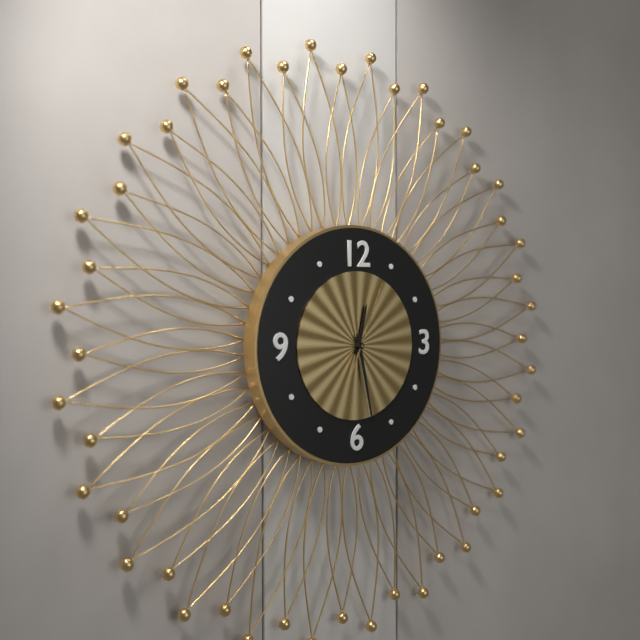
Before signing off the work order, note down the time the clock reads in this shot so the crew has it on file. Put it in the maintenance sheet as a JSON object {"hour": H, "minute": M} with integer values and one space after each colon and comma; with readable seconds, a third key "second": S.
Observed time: {"hour": 12, "minute": 28, "second": 4}
